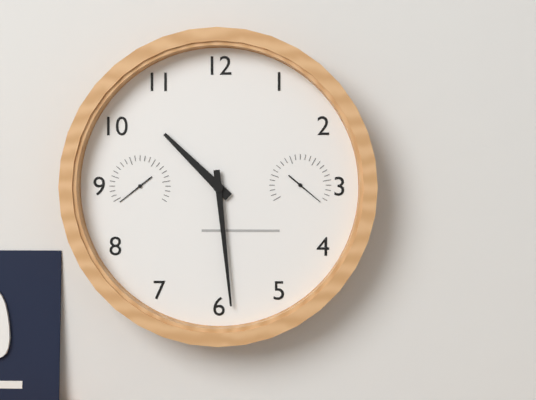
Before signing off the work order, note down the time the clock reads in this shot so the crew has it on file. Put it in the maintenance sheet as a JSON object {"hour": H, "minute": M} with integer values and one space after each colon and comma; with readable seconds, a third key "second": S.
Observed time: {"hour": 10, "minute": 29}
